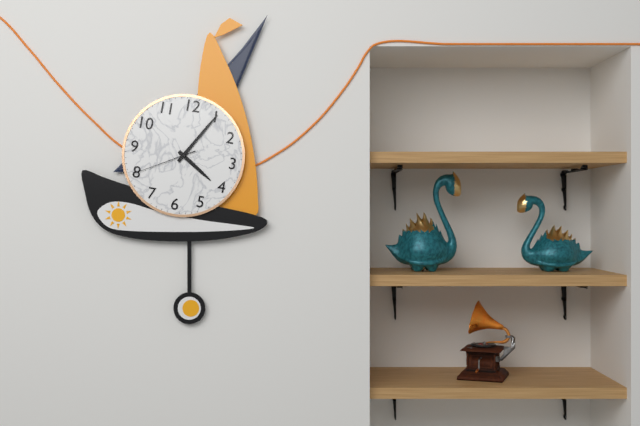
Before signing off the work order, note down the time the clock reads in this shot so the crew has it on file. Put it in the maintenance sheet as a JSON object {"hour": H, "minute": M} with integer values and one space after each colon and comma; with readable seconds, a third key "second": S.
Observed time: {"hour": 4, "minute": 5, "second": 40}
